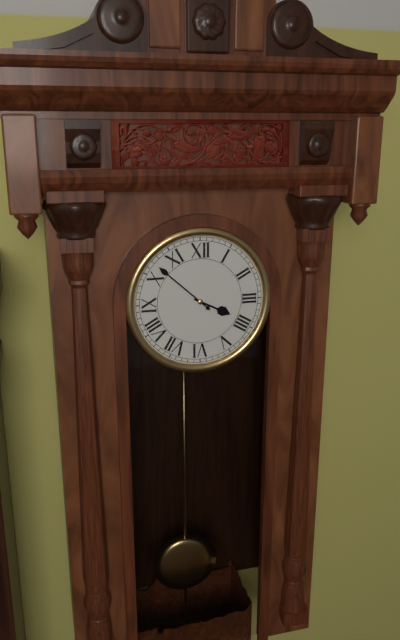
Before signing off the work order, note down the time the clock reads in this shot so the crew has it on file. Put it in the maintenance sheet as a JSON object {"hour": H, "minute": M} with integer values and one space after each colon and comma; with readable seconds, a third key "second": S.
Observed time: {"hour": 3, "minute": 52}
